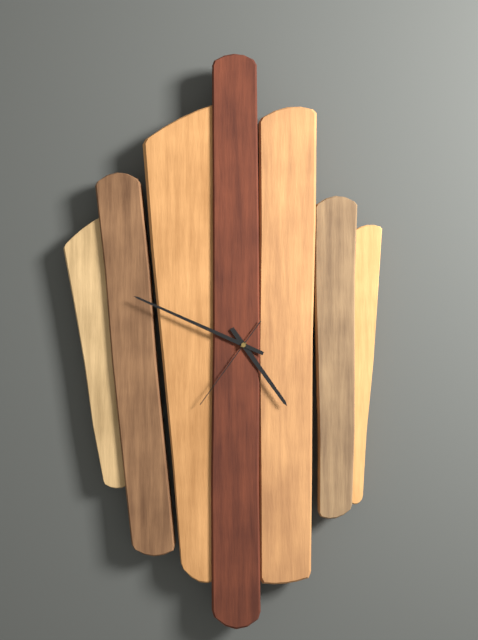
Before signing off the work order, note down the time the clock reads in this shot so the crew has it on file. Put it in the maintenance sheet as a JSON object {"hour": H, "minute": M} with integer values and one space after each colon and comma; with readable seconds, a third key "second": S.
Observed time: {"hour": 4, "minute": 49, "second": 36}
